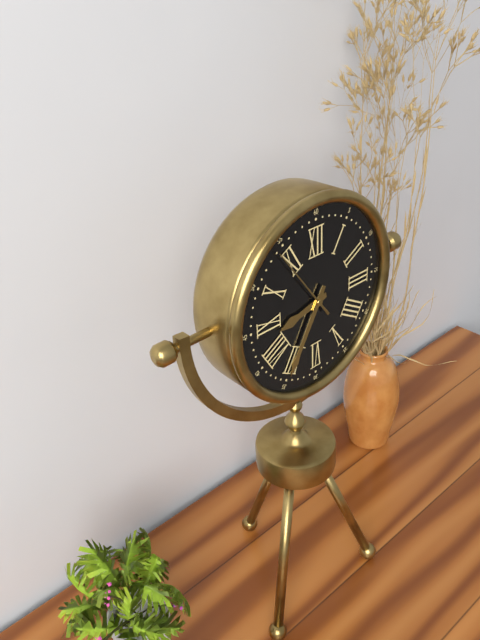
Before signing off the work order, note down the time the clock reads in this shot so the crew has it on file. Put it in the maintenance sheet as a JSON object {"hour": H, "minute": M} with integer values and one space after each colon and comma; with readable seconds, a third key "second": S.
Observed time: {"hour": 8, "minute": 35, "second": 54}
